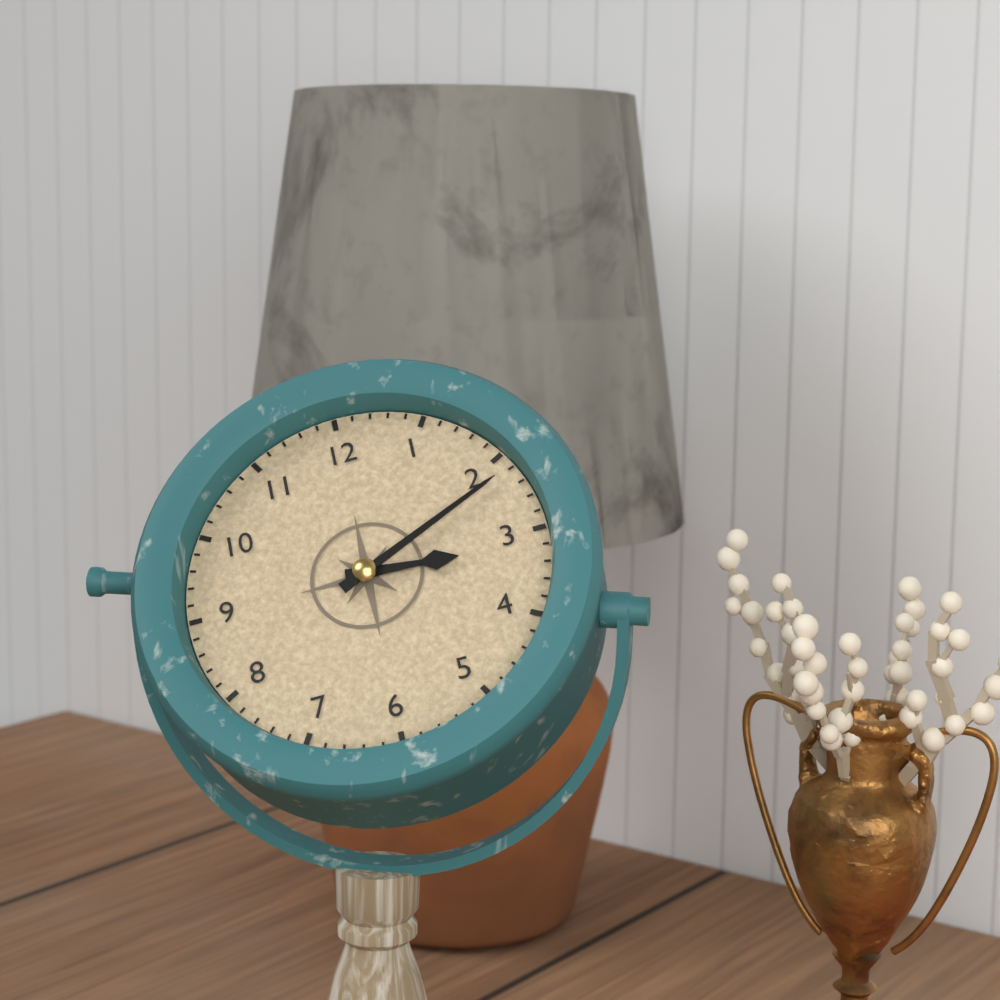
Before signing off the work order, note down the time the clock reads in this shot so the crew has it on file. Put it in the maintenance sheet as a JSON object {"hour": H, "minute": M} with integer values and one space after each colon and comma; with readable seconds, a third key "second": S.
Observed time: {"hour": 3, "minute": 11}
